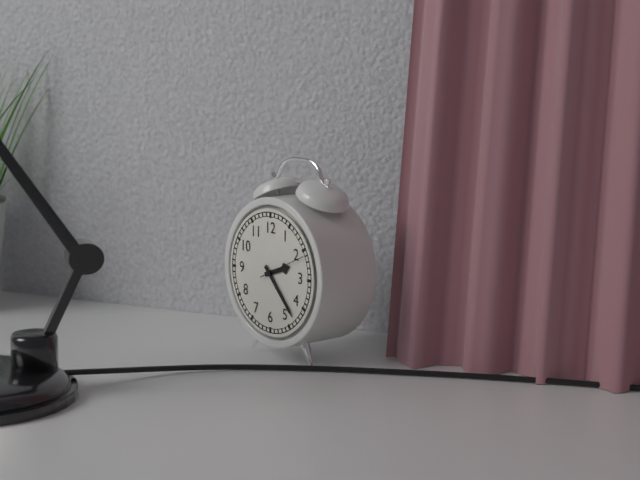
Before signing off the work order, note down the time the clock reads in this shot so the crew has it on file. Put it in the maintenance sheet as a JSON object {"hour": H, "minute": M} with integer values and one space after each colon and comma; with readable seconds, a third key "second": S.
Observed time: {"hour": 2, "minute": 23}
